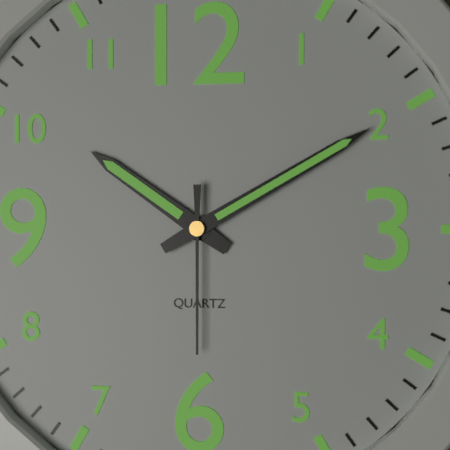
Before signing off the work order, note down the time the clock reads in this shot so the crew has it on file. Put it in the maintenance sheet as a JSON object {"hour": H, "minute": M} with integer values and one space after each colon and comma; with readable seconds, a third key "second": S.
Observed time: {"hour": 10, "minute": 10, "second": 30}
